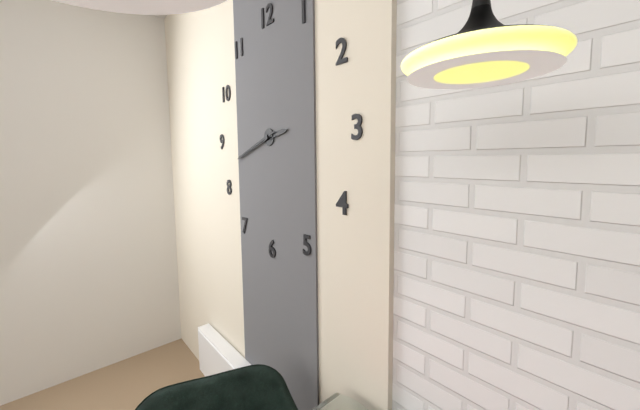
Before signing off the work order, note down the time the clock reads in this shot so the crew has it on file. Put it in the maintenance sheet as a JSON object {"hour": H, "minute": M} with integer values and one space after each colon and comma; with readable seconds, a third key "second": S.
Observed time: {"hour": 2, "minute": 42}
